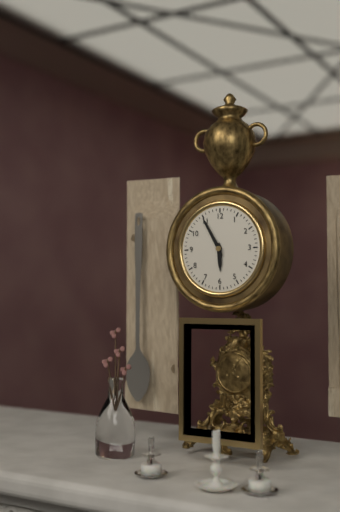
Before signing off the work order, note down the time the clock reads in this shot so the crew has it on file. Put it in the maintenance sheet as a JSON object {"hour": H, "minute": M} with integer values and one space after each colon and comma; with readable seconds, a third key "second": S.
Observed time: {"hour": 5, "minute": 55}
